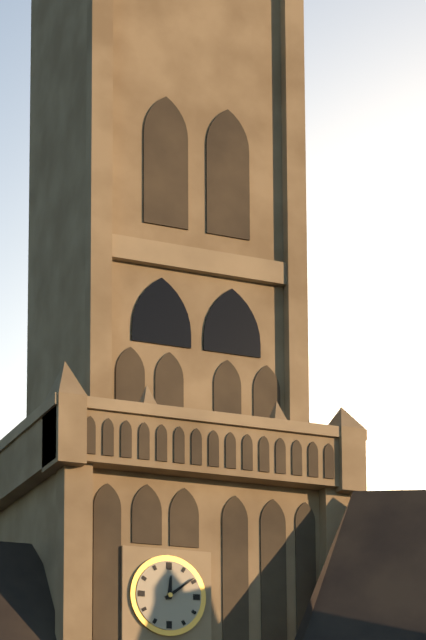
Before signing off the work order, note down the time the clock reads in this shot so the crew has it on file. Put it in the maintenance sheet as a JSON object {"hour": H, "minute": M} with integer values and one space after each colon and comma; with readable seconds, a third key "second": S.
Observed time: {"hour": 12, "minute": 9}
